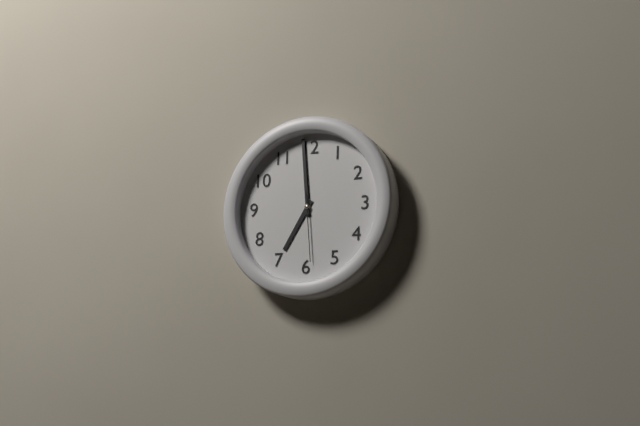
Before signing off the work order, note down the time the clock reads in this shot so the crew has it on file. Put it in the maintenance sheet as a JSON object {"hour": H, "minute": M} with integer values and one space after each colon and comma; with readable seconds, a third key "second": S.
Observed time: {"hour": 6, "minute": 59, "second": 29}
